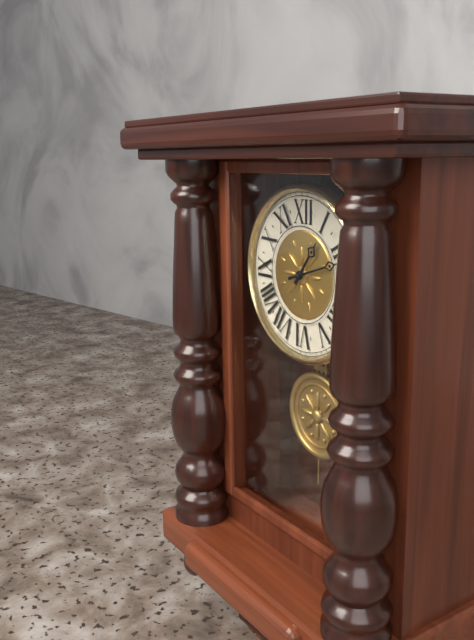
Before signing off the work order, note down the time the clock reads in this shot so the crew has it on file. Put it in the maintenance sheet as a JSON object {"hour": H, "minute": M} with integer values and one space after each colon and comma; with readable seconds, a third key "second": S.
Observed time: {"hour": 1, "minute": 12}
